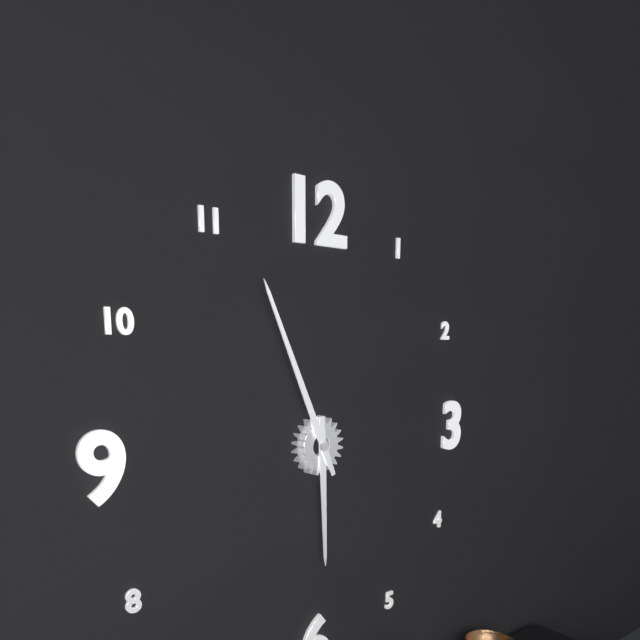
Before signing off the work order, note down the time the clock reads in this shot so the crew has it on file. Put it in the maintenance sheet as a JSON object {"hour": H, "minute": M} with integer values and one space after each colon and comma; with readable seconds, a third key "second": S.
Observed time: {"hour": 5, "minute": 56}
